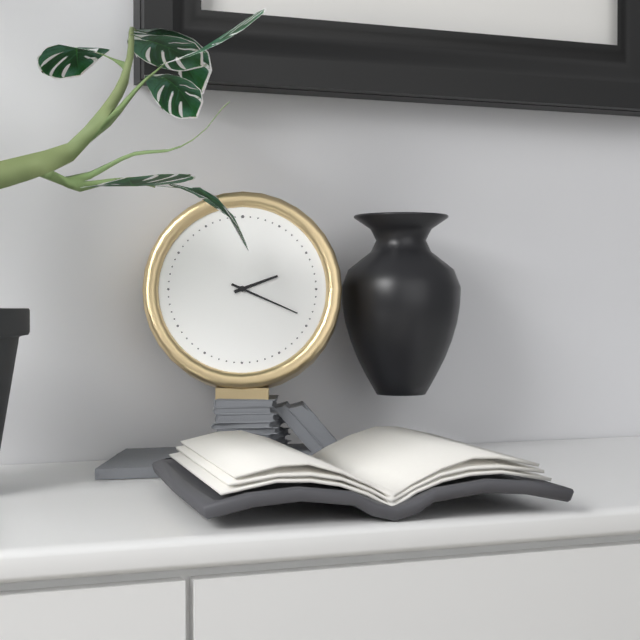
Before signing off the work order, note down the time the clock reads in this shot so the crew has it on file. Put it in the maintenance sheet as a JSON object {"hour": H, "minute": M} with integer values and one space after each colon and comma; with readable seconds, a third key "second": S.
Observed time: {"hour": 2, "minute": 19}
